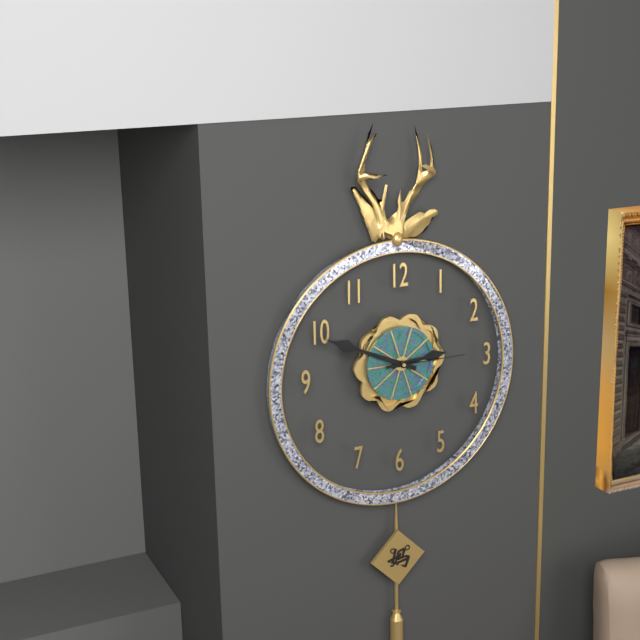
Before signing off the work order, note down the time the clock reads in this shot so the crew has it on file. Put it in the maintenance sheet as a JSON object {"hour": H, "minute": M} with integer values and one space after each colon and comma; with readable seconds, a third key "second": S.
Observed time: {"hour": 2, "minute": 49, "second": 15}
